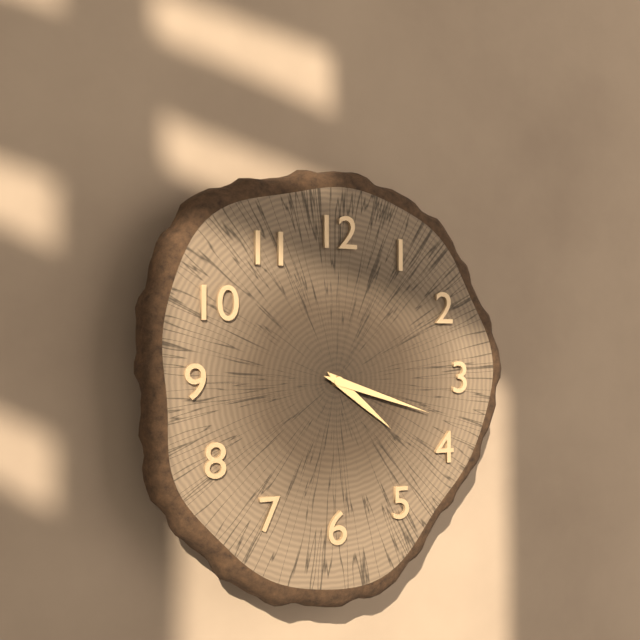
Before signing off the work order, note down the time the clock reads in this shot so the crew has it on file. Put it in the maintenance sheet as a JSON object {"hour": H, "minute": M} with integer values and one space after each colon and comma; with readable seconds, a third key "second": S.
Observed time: {"hour": 4, "minute": 18}
